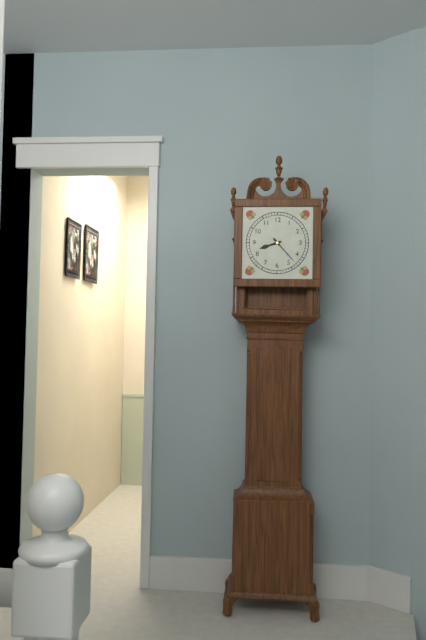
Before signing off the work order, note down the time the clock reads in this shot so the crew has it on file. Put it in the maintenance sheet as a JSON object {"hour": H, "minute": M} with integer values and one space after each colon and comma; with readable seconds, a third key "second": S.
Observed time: {"hour": 8, "minute": 23}
